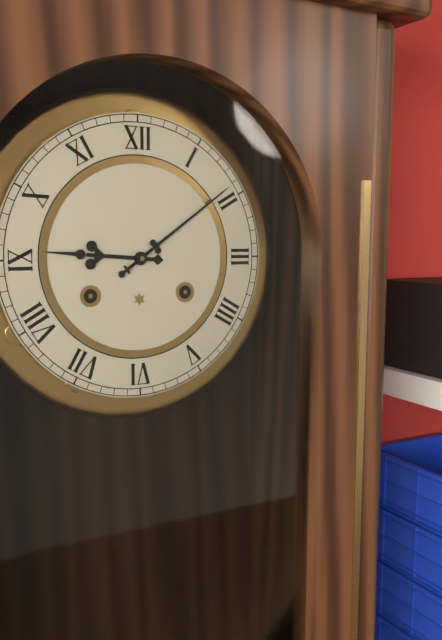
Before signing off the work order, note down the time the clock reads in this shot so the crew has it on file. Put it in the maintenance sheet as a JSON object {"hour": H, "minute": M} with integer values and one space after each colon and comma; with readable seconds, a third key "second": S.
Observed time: {"hour": 9, "minute": 9}
